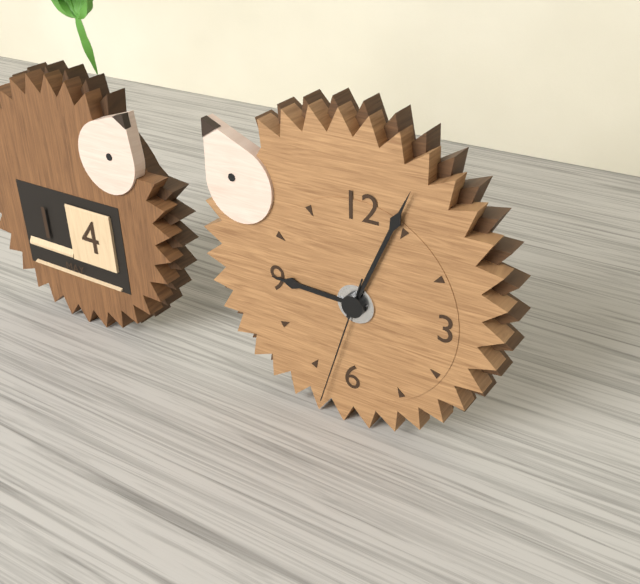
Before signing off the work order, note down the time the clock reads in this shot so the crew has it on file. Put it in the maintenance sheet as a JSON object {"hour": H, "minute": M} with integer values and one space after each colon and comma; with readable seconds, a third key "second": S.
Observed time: {"hour": 9, "minute": 4, "second": 33}
